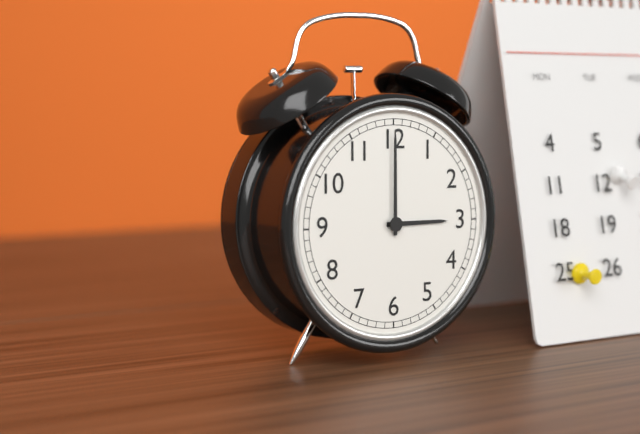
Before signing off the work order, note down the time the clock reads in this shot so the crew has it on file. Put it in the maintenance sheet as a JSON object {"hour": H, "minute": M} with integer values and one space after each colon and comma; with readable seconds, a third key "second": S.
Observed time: {"hour": 3, "minute": 0}
